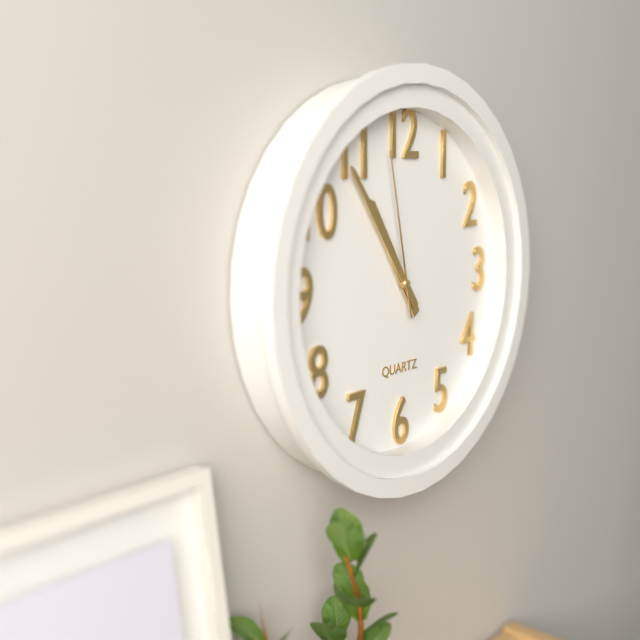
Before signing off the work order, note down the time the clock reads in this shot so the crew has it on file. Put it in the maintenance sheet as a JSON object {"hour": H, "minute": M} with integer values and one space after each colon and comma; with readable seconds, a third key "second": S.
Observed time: {"hour": 10, "minute": 54, "second": 58}
